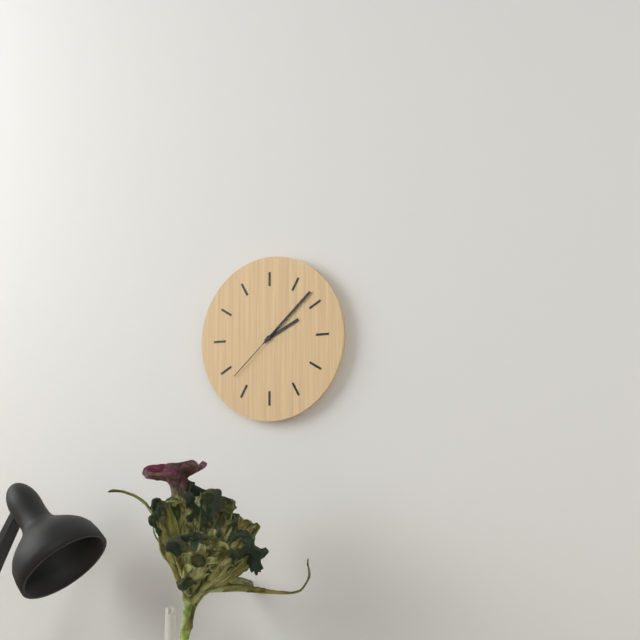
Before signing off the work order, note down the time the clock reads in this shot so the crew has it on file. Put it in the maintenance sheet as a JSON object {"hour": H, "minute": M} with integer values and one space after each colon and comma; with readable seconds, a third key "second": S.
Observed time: {"hour": 2, "minute": 8, "second": 38}
